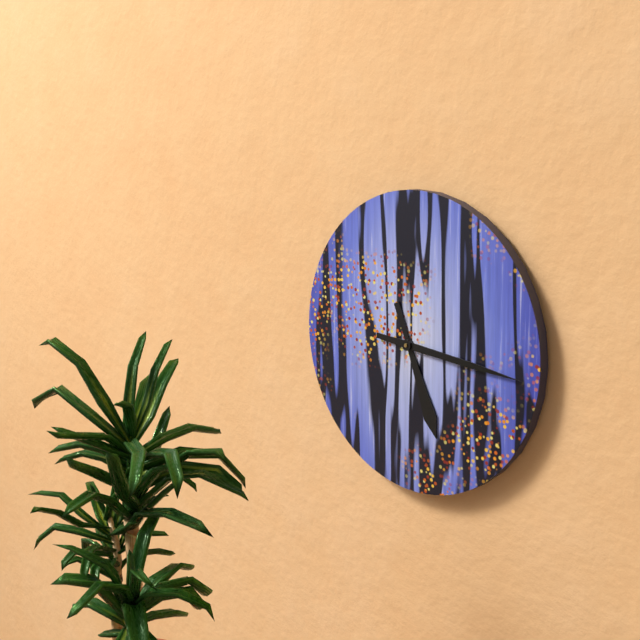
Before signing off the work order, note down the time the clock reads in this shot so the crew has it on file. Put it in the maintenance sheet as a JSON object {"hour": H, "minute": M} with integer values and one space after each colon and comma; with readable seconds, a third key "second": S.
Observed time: {"hour": 5, "minute": 16}
